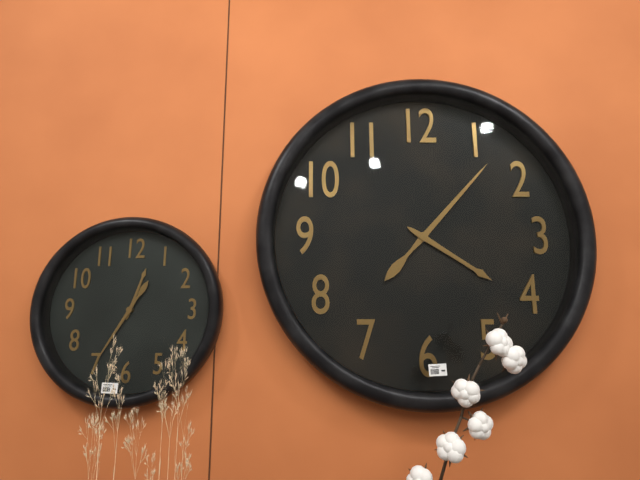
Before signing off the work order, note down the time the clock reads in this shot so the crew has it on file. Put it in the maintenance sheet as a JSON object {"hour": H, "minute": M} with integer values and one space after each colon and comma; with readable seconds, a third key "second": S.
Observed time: {"hour": 4, "minute": 7}
